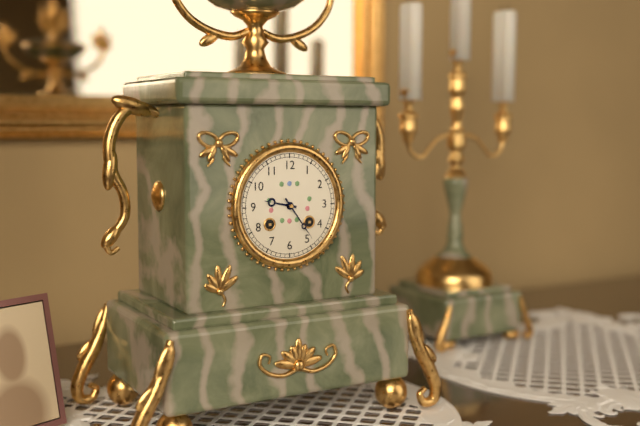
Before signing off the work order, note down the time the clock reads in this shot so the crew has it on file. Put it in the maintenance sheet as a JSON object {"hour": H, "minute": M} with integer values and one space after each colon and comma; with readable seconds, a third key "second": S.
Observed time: {"hour": 9, "minute": 24}
